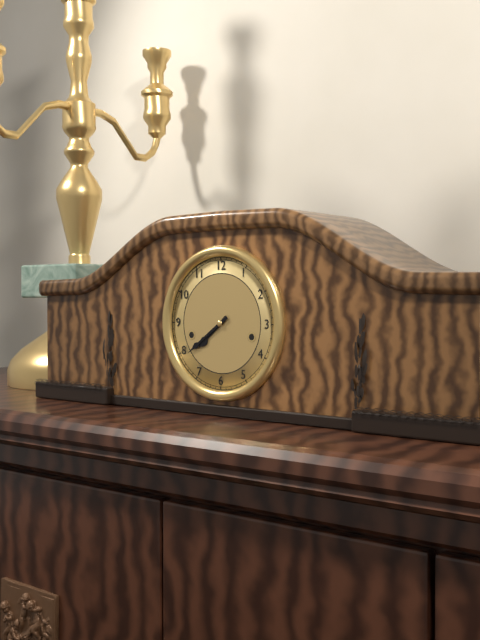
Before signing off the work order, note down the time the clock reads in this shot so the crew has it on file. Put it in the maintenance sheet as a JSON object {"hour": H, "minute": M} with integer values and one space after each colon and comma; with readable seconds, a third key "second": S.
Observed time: {"hour": 7, "minute": 39}
